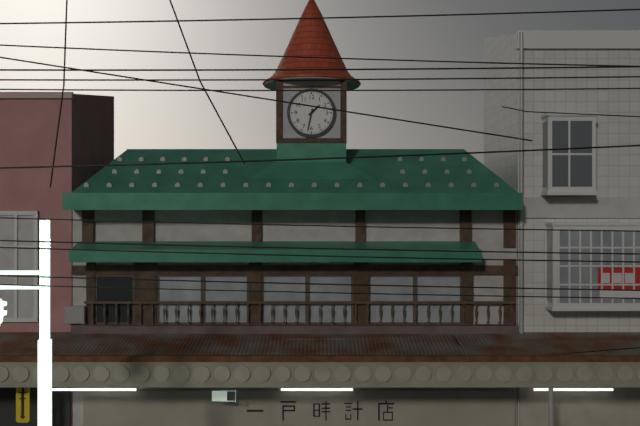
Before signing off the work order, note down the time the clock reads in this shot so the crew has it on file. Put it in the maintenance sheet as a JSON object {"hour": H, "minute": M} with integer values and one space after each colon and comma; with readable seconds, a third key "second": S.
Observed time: {"hour": 1, "minute": 32}
